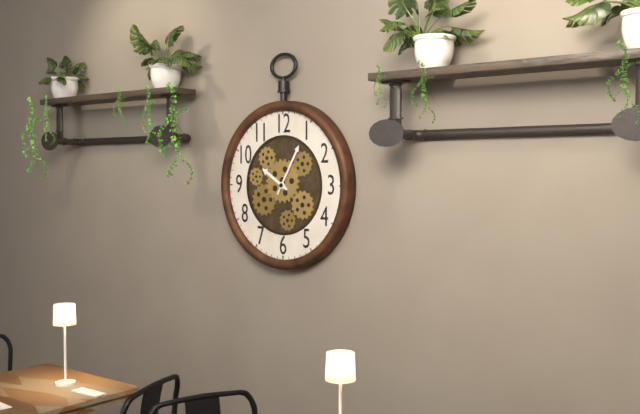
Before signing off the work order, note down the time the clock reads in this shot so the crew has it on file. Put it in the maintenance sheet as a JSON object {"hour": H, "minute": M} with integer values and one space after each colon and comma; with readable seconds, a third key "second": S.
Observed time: {"hour": 10, "minute": 5}
